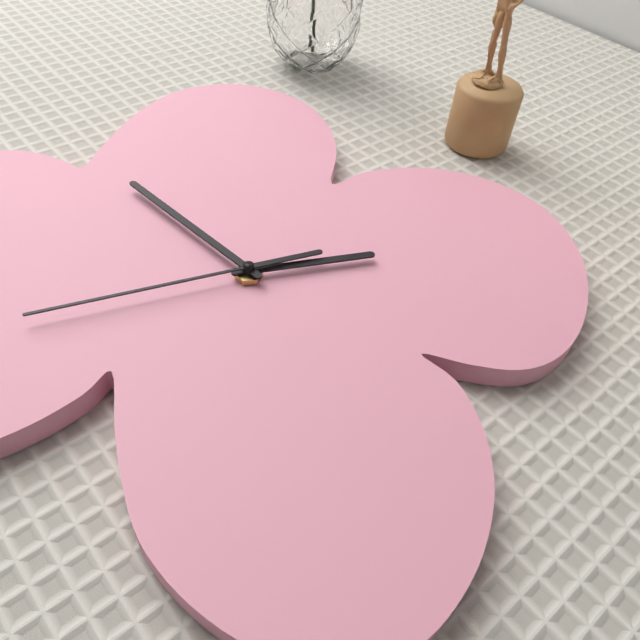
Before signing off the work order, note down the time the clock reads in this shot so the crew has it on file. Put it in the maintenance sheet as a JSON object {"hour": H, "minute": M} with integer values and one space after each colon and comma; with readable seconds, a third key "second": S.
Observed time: {"hour": 1, "minute": 49, "second": 38}
